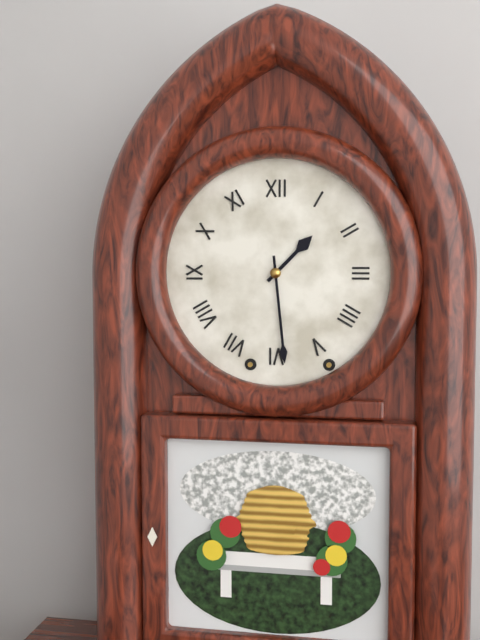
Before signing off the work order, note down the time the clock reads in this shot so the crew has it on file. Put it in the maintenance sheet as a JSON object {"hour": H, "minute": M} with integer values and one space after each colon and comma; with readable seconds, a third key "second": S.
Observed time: {"hour": 1, "minute": 29}
